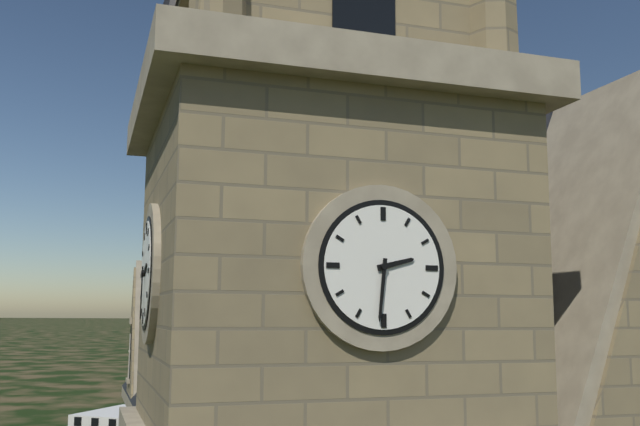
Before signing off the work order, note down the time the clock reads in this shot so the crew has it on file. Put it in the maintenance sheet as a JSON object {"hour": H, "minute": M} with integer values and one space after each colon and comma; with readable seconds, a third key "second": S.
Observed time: {"hour": 2, "minute": 31}
